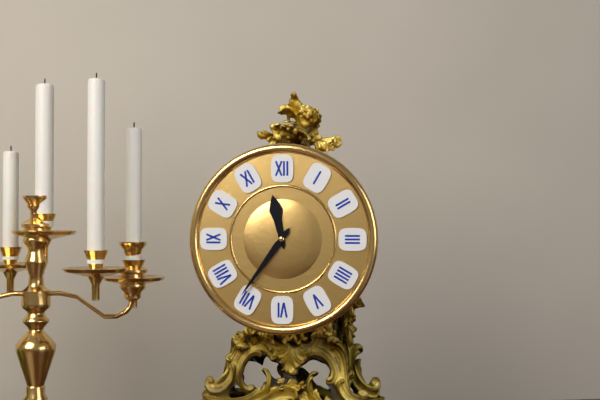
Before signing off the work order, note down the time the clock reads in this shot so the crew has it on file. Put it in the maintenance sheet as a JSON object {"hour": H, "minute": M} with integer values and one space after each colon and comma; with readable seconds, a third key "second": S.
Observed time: {"hour": 11, "minute": 36}
